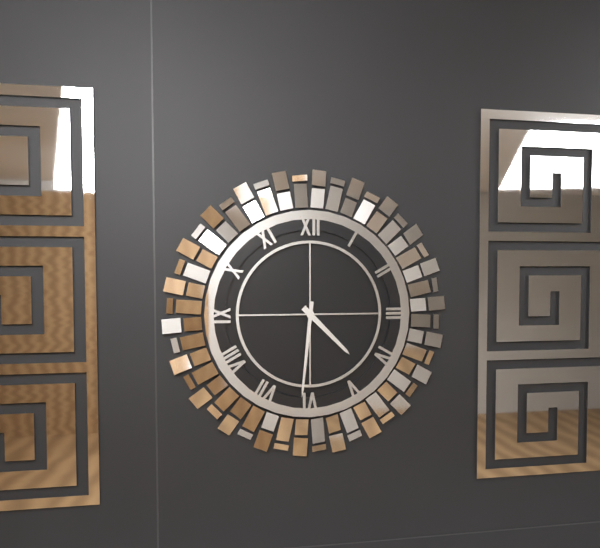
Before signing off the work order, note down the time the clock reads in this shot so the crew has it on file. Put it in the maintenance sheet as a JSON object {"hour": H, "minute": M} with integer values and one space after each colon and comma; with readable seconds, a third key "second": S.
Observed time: {"hour": 4, "minute": 31}
